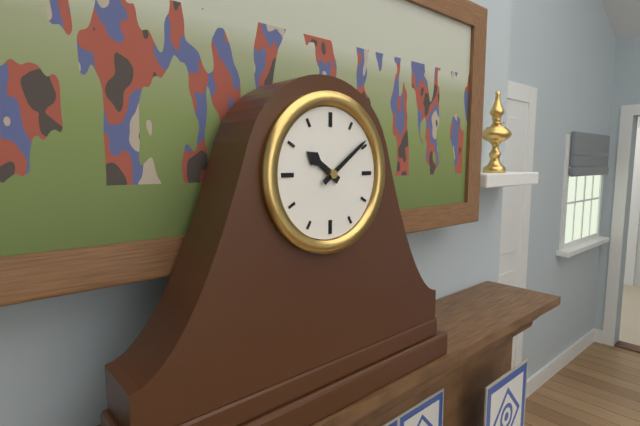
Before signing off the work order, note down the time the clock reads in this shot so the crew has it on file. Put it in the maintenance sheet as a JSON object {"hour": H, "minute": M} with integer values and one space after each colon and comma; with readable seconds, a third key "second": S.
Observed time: {"hour": 10, "minute": 9}
